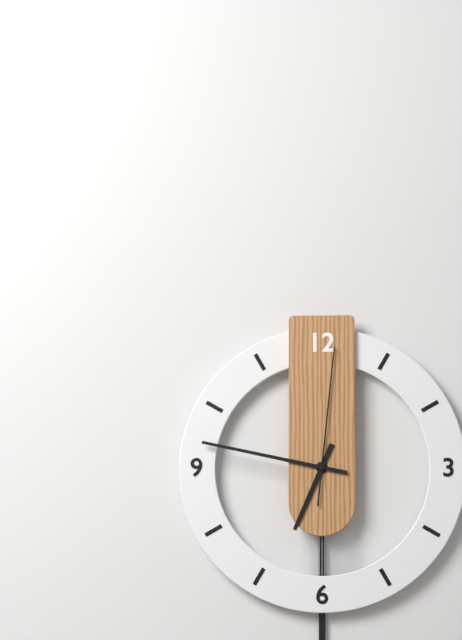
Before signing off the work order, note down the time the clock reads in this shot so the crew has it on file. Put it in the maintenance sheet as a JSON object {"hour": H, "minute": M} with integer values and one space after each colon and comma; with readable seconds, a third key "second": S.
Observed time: {"hour": 6, "minute": 47, "second": 1}
